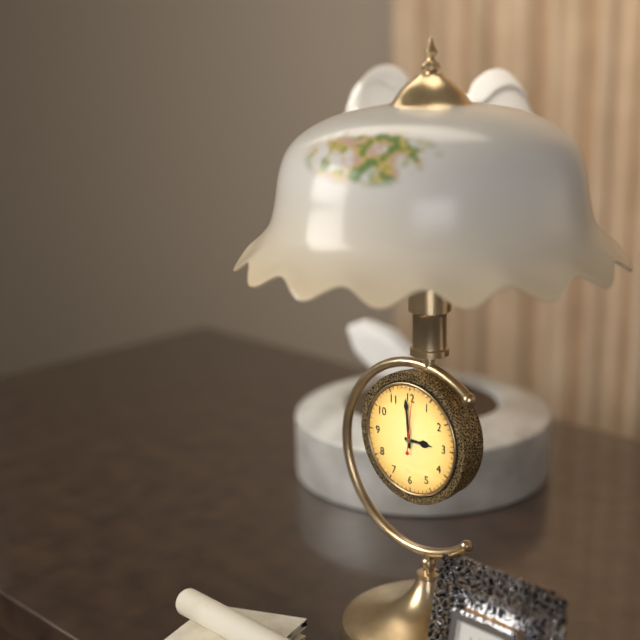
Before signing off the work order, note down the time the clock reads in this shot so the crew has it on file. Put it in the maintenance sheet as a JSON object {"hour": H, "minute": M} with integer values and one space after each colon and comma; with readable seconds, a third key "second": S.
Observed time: {"hour": 2, "minute": 59, "second": 1}
